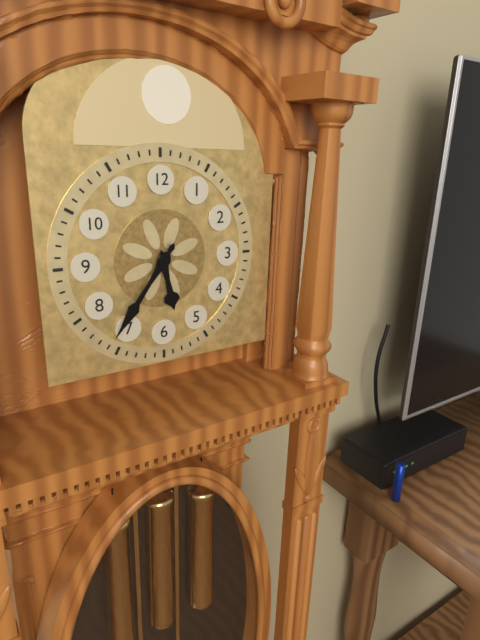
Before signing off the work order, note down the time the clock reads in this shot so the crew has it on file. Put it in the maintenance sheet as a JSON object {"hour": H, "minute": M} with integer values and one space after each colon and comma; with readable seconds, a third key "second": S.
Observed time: {"hour": 5, "minute": 36}
